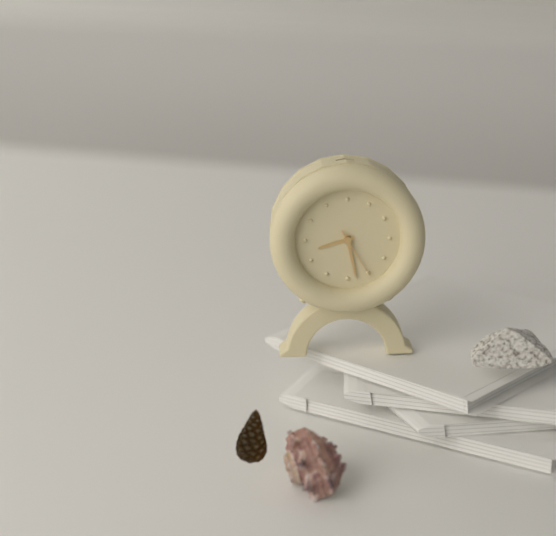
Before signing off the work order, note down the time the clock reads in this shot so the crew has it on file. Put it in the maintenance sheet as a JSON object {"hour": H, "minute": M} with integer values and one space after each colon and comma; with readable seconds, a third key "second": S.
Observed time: {"hour": 8, "minute": 28, "second": 25}
